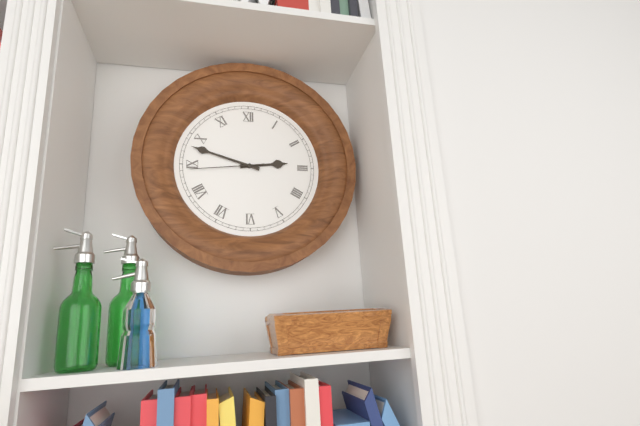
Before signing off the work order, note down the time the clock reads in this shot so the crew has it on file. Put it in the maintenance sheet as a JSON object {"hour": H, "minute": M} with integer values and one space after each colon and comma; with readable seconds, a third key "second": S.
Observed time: {"hour": 2, "minute": 48, "second": 44}
